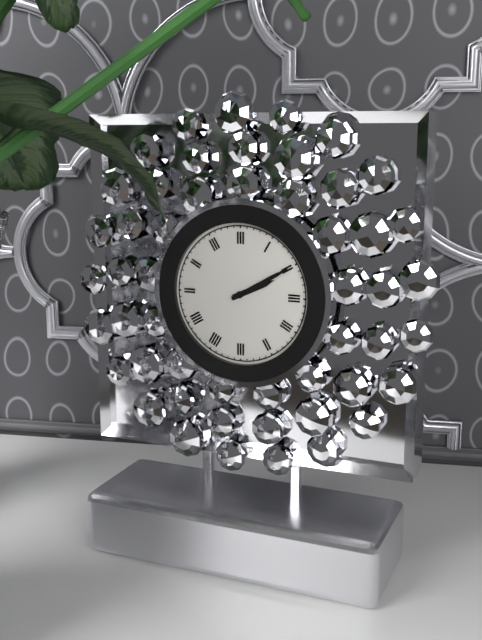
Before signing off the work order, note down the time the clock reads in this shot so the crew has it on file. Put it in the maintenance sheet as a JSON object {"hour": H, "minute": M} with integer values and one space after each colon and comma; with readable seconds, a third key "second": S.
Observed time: {"hour": 2, "minute": 10}
